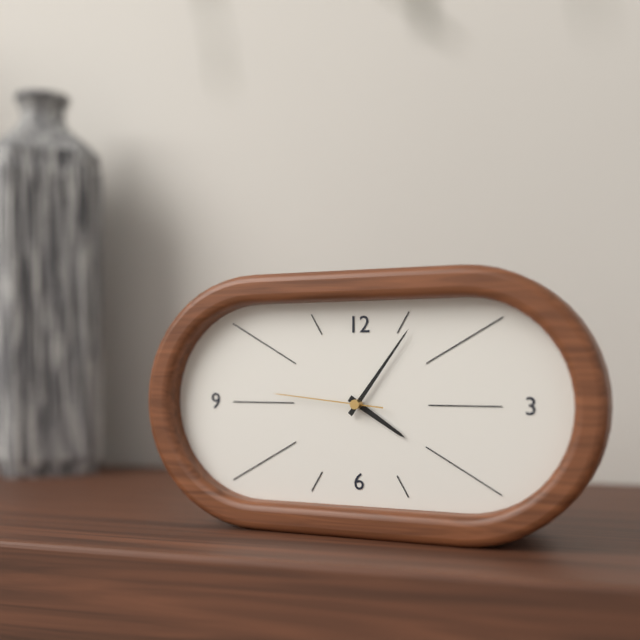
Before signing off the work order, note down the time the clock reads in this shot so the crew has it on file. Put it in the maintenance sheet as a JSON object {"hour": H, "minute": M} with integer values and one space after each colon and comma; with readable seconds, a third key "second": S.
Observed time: {"hour": 4, "minute": 6, "second": 46}
